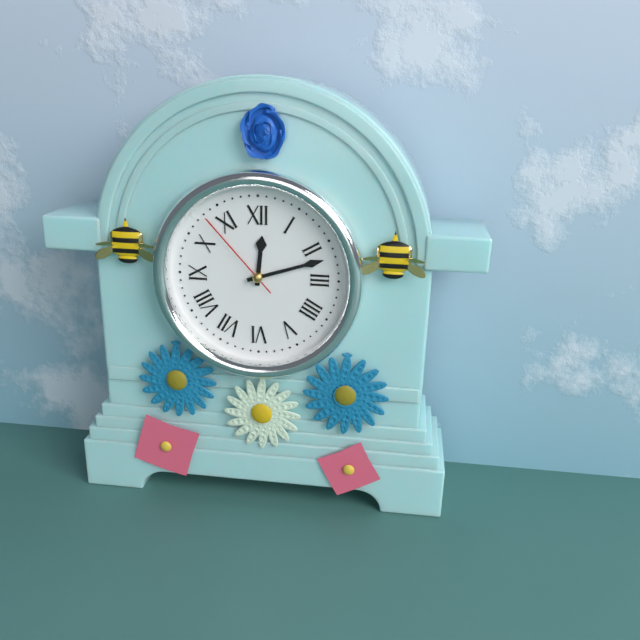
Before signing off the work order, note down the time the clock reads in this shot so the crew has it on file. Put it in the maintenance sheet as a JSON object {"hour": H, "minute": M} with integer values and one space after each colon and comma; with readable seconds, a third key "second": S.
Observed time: {"hour": 12, "minute": 12, "second": 53}
